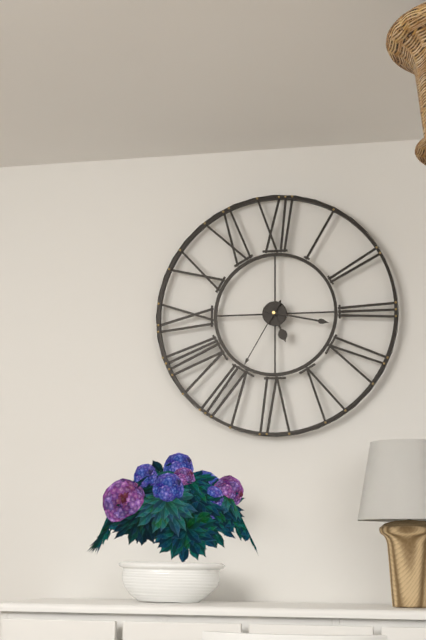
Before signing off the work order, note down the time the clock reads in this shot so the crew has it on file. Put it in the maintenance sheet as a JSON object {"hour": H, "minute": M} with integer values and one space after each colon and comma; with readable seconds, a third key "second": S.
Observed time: {"hour": 5, "minute": 17, "second": 35}
